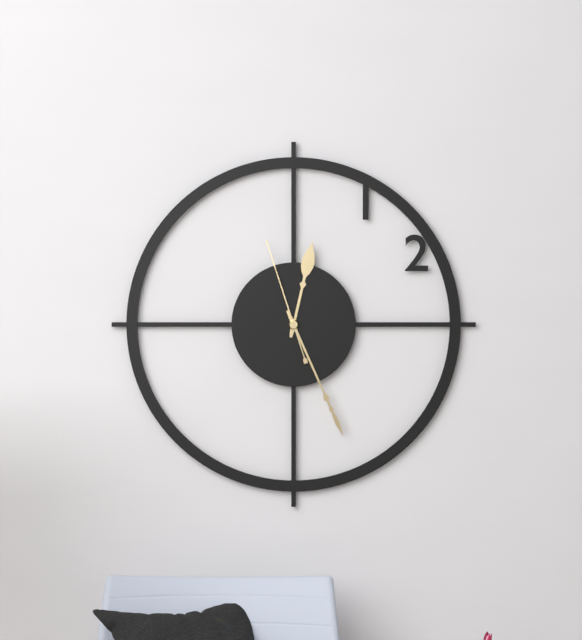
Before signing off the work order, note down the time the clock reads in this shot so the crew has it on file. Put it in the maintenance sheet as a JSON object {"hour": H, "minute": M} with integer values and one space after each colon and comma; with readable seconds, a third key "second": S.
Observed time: {"hour": 12, "minute": 26, "second": 57}
